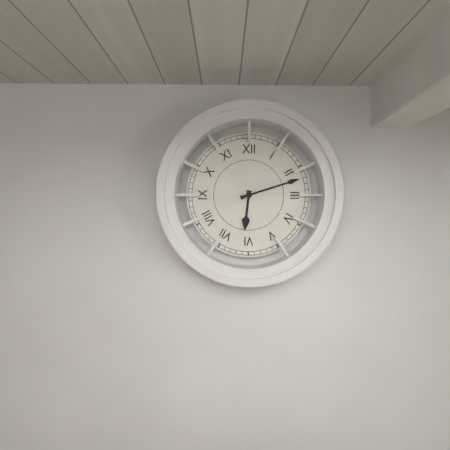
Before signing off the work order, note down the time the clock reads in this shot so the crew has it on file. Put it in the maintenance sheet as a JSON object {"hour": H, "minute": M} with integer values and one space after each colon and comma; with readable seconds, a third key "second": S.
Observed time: {"hour": 6, "minute": 12}
